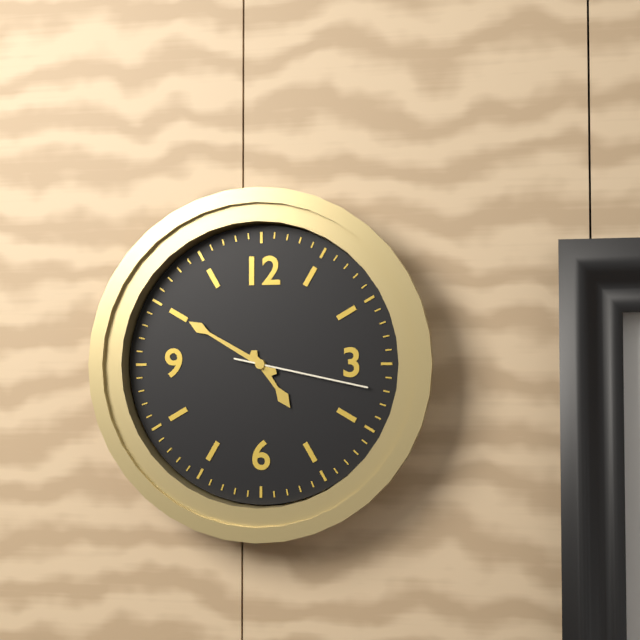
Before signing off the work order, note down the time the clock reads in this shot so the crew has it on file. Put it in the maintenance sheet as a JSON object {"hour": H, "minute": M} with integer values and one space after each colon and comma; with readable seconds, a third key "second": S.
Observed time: {"hour": 4, "minute": 50, "second": 17}
